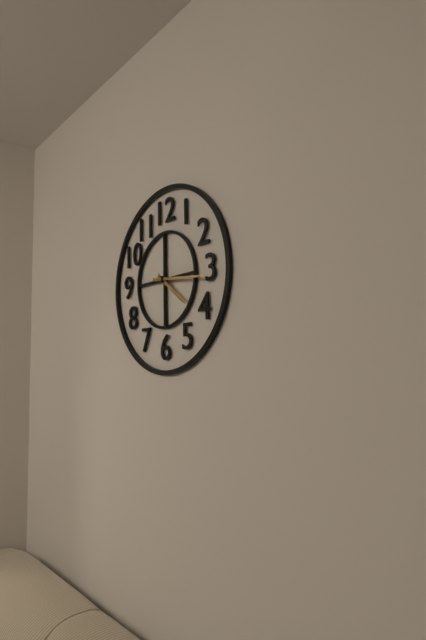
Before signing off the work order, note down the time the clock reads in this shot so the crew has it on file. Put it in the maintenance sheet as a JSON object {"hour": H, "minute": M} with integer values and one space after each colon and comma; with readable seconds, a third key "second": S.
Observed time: {"hour": 4, "minute": 16}
